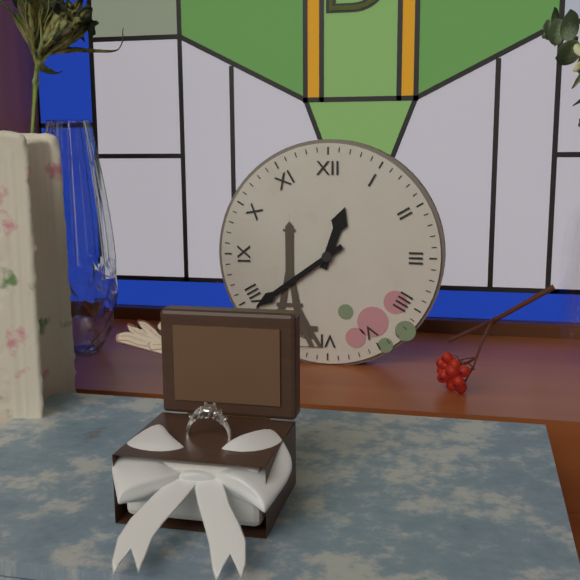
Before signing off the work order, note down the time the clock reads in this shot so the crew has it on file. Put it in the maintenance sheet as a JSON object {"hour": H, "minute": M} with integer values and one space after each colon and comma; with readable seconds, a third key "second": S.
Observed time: {"hour": 12, "minute": 39}
